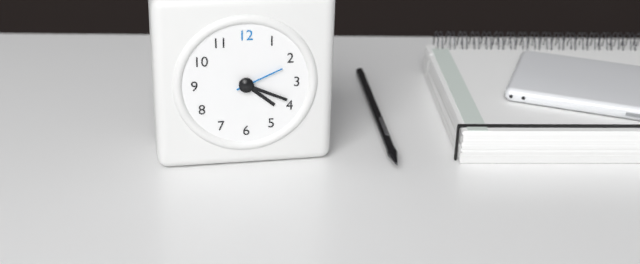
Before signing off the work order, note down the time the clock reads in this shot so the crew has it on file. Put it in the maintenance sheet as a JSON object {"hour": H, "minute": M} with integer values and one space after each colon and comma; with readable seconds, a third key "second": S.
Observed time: {"hour": 4, "minute": 19}
